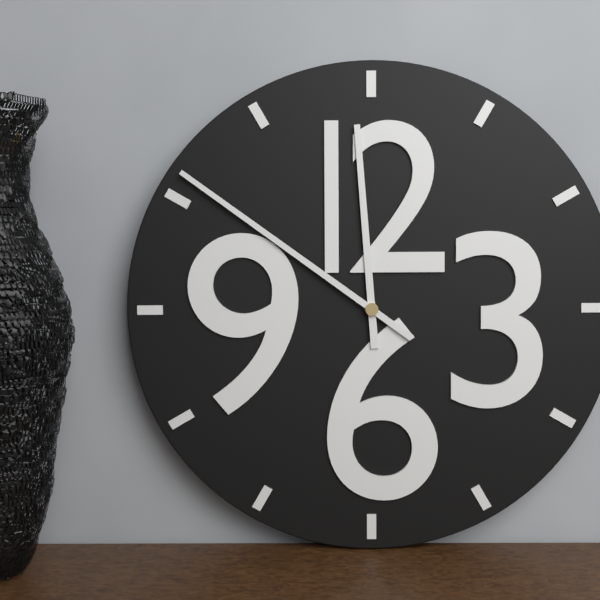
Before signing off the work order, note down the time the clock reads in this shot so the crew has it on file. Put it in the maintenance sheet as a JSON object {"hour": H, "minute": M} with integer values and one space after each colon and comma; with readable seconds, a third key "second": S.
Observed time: {"hour": 11, "minute": 51}
